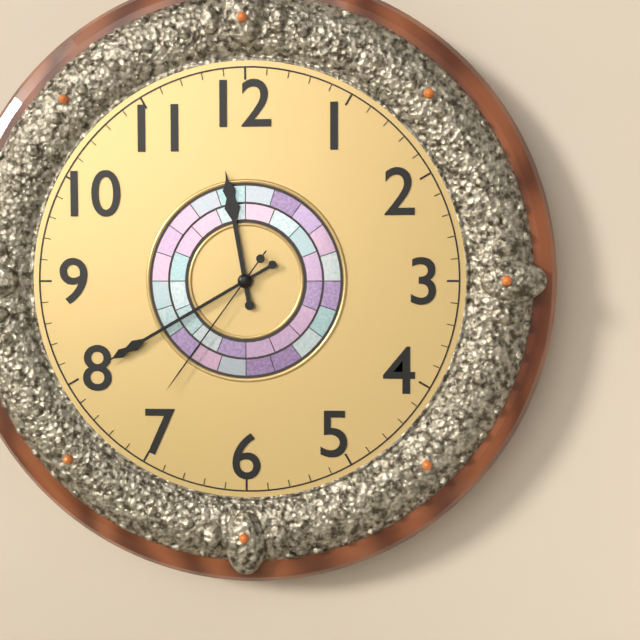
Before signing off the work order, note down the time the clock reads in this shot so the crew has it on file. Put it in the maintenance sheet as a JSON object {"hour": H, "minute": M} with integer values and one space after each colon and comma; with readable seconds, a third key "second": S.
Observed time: {"hour": 11, "minute": 40, "second": 36}
